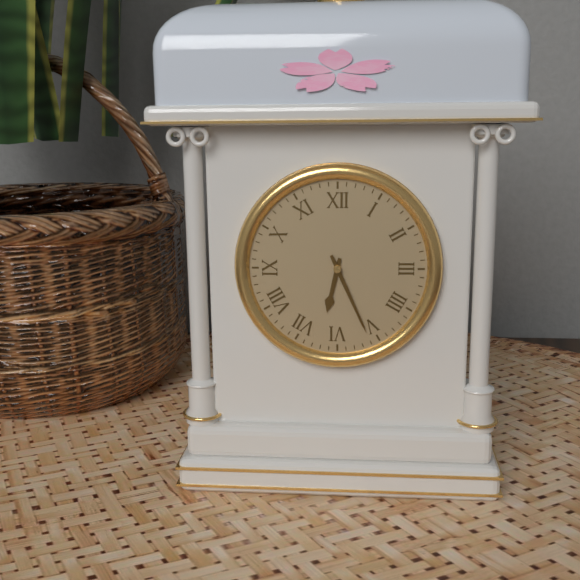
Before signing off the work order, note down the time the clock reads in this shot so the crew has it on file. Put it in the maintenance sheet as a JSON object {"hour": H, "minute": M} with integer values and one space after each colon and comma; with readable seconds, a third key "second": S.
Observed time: {"hour": 6, "minute": 26}
